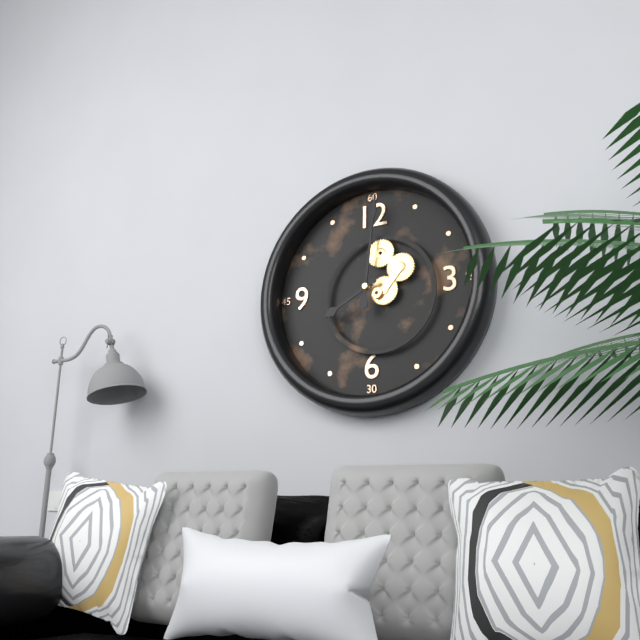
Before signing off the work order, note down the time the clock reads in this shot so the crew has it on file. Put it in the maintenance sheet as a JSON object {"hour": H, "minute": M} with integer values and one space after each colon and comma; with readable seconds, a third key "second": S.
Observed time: {"hour": 8, "minute": 1}
